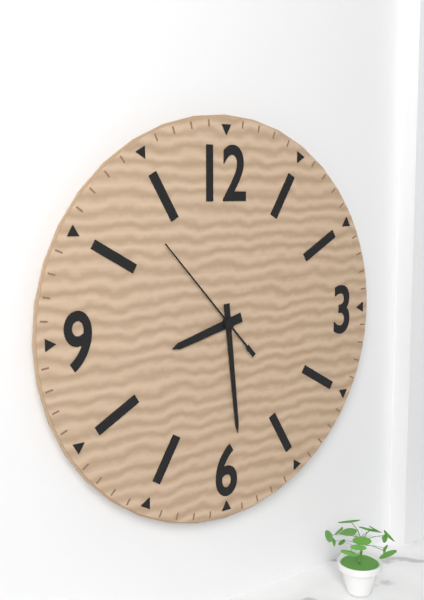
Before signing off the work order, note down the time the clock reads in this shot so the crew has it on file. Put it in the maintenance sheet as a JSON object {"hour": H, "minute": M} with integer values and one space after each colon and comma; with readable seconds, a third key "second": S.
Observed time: {"hour": 8, "minute": 29, "second": 53}
